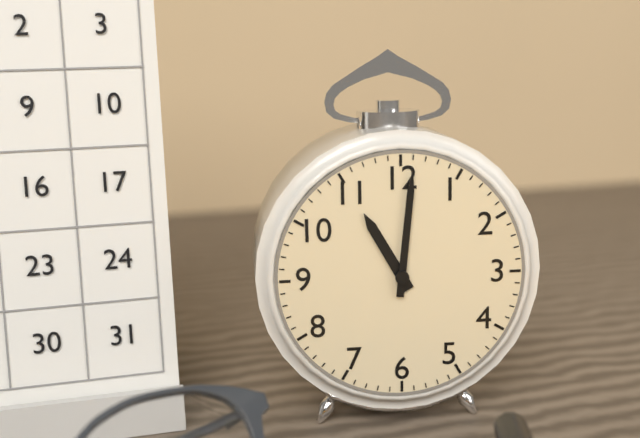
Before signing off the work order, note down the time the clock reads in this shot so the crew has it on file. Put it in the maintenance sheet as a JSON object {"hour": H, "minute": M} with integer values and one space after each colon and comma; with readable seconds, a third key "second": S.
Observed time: {"hour": 11, "minute": 1}
